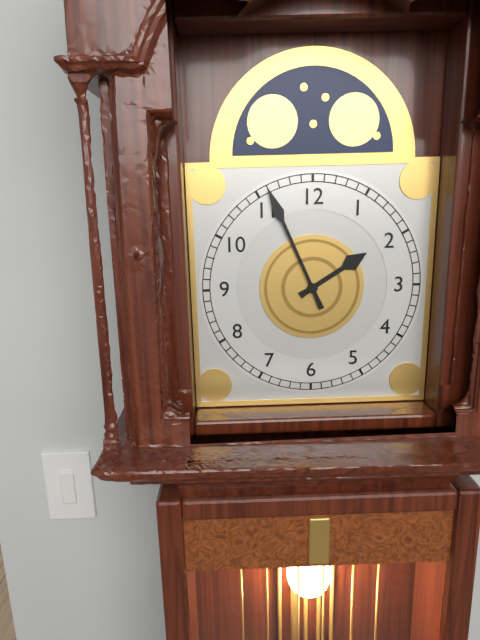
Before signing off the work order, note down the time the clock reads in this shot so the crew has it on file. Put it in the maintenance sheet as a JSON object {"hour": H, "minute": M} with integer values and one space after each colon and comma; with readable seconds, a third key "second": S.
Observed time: {"hour": 1, "minute": 56}
